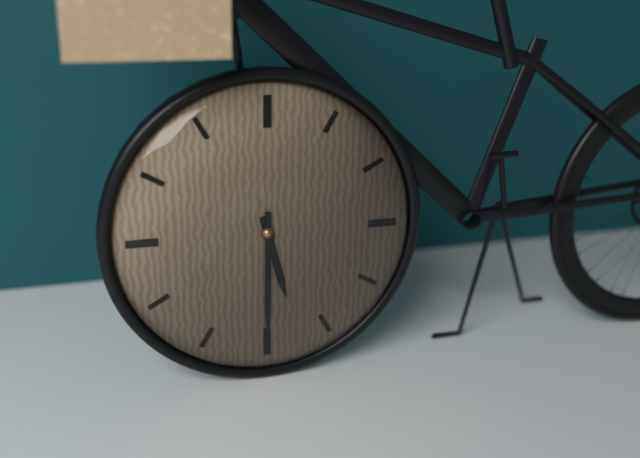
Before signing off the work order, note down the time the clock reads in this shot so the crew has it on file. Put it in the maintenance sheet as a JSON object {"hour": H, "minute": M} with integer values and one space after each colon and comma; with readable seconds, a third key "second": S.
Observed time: {"hour": 5, "minute": 30}
